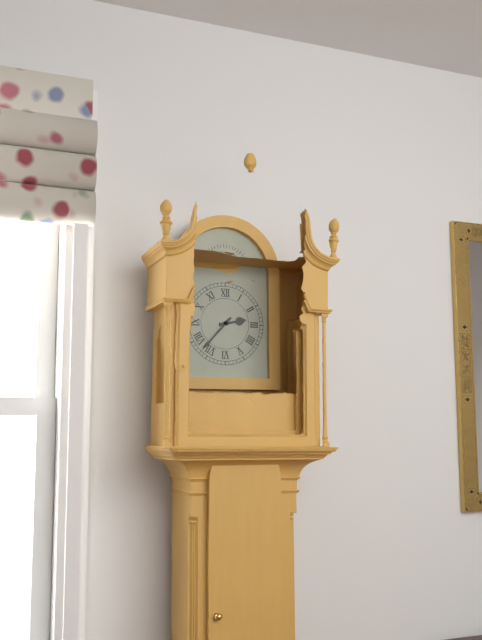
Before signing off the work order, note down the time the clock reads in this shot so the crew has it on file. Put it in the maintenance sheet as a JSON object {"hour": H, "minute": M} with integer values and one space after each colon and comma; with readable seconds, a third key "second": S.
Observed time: {"hour": 2, "minute": 37}
